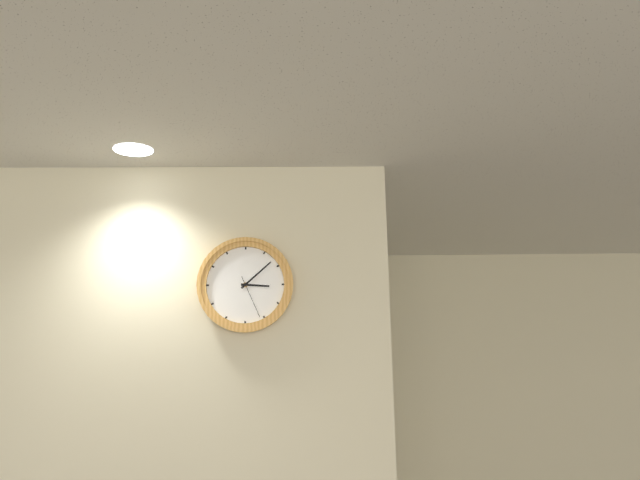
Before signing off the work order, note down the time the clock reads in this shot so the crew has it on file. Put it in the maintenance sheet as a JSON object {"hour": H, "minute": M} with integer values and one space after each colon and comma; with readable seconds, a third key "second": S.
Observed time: {"hour": 3, "minute": 8}
